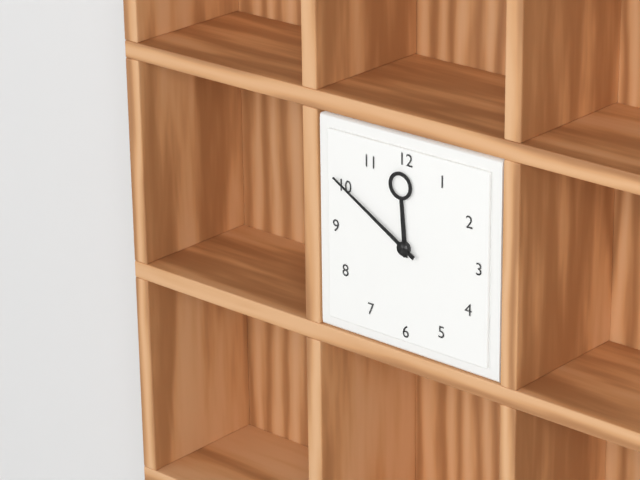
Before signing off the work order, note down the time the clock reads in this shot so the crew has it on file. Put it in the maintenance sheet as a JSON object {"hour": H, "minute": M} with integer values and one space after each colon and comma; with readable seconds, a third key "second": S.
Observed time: {"hour": 11, "minute": 50}
